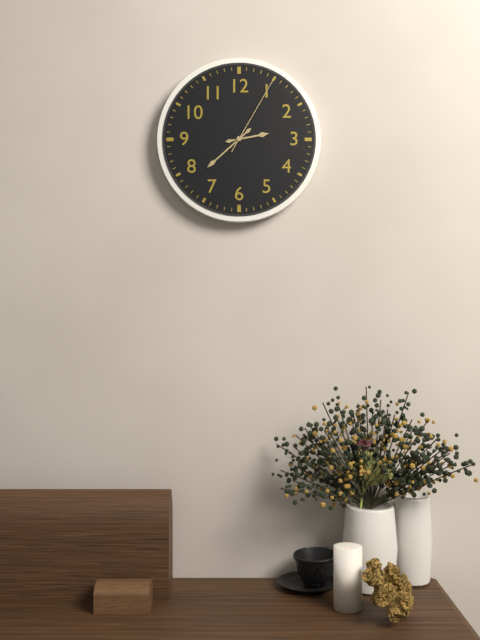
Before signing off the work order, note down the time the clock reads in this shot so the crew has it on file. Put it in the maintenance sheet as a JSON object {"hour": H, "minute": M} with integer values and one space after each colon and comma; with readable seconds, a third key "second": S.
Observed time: {"hour": 2, "minute": 38, "second": 5}
